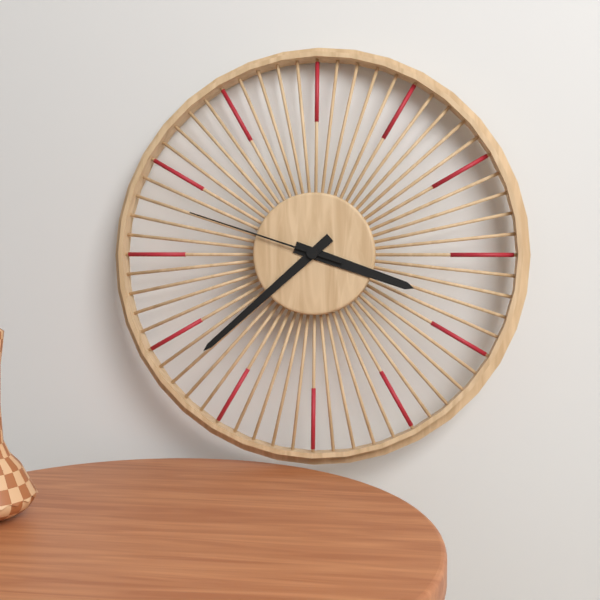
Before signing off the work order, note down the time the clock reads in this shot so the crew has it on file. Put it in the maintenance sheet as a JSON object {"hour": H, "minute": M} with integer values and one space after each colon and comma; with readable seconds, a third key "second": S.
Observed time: {"hour": 3, "minute": 38, "second": 48}
